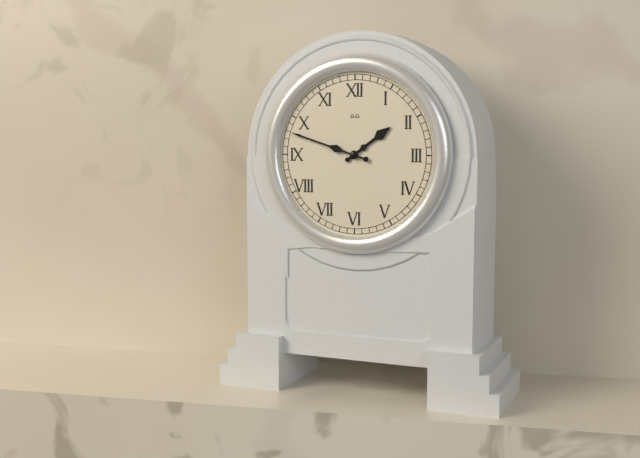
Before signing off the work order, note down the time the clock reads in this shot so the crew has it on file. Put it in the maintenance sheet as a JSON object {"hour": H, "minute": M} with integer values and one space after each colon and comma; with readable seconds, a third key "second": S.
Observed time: {"hour": 1, "minute": 48}
